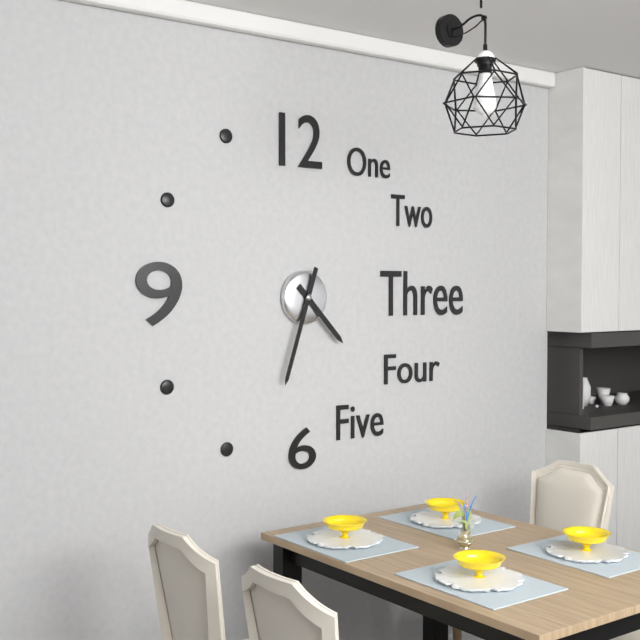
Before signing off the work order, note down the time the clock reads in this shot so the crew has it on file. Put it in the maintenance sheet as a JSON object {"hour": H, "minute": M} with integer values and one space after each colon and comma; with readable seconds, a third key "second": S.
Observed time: {"hour": 4, "minute": 33}
